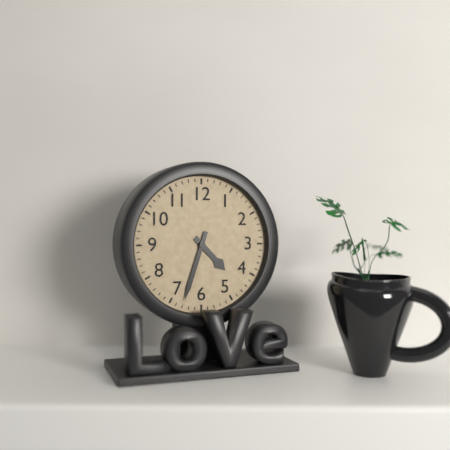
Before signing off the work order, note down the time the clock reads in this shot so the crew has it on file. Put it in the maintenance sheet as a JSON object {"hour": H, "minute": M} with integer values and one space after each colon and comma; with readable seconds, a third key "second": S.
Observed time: {"hour": 4, "minute": 33}
